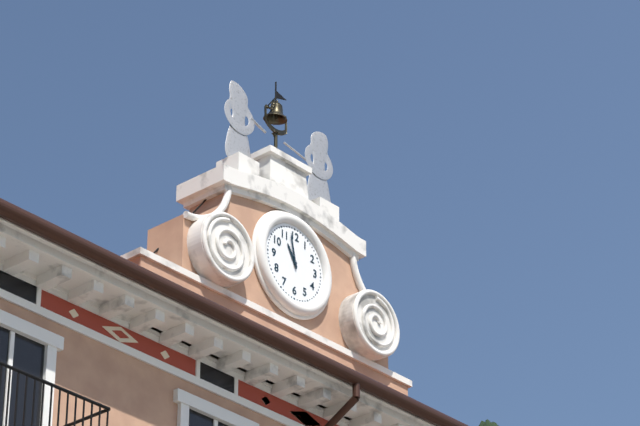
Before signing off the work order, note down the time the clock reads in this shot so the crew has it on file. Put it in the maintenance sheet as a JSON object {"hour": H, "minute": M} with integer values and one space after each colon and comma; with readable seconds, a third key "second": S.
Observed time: {"hour": 10, "minute": 58}
